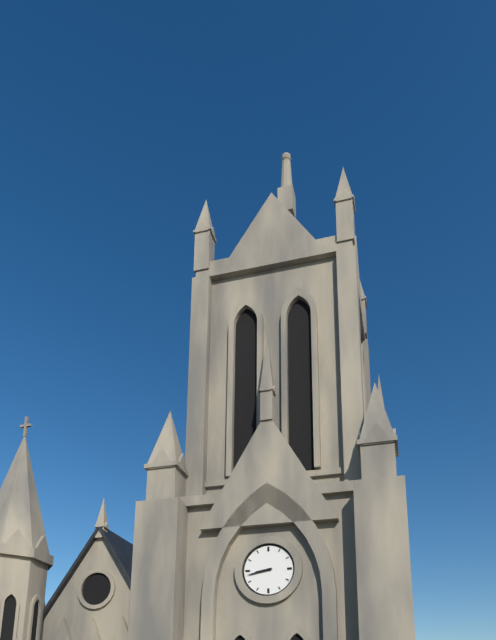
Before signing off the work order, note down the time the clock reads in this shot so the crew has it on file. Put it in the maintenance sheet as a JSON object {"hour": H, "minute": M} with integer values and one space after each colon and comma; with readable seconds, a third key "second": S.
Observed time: {"hour": 8, "minute": 43}
